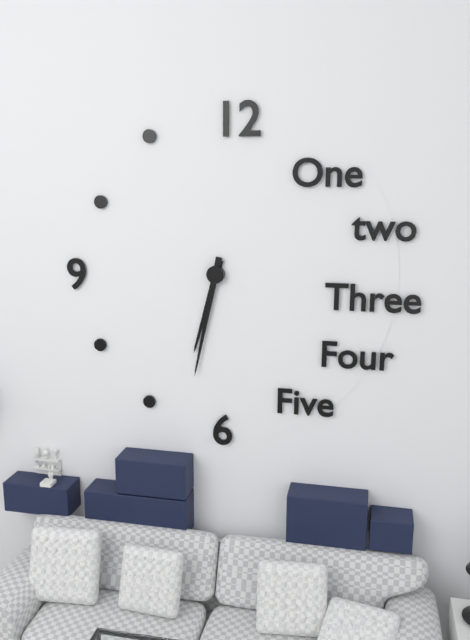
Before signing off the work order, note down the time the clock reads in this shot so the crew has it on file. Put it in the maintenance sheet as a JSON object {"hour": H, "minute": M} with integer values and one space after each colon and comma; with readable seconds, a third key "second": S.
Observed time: {"hour": 6, "minute": 32}
